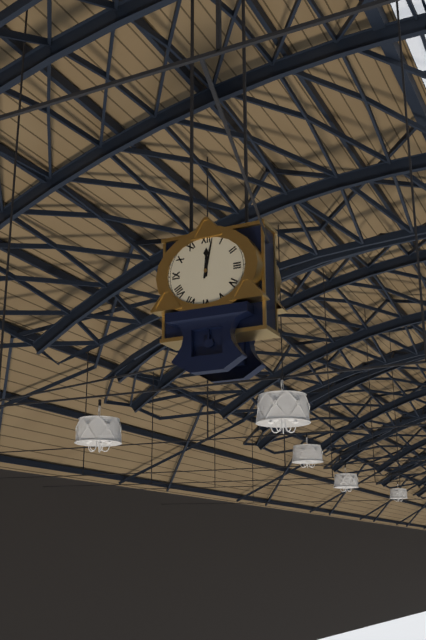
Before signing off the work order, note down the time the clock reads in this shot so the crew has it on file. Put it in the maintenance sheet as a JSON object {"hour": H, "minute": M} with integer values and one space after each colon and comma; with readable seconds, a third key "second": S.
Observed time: {"hour": 12, "minute": 2}
